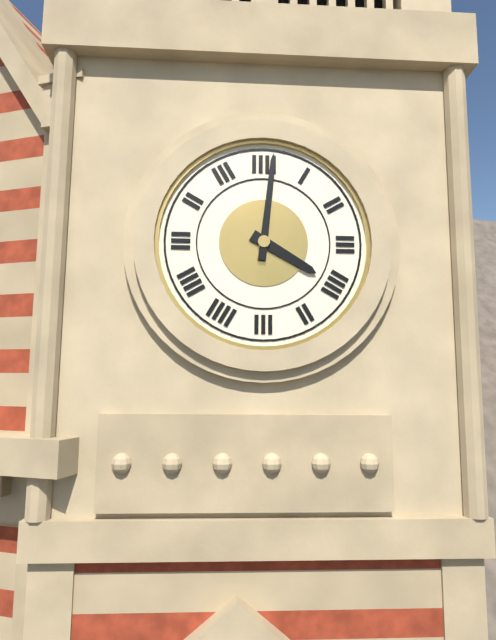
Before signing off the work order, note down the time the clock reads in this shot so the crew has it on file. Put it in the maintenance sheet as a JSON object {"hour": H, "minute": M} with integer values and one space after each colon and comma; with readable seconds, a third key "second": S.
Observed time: {"hour": 4, "minute": 1}
